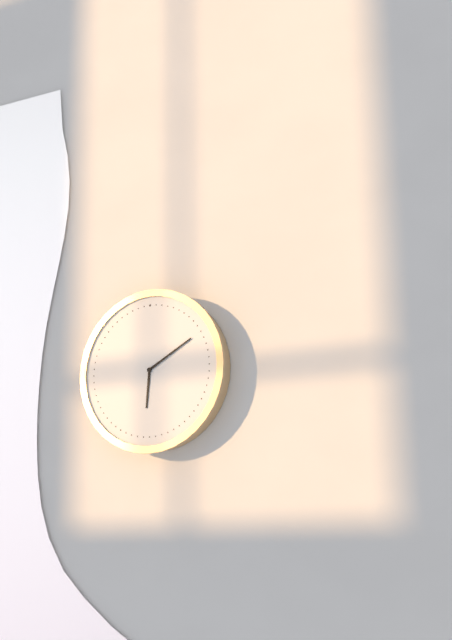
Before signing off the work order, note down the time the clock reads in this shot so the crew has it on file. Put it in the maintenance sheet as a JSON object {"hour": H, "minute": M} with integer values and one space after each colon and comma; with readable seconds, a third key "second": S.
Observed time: {"hour": 6, "minute": 10}
